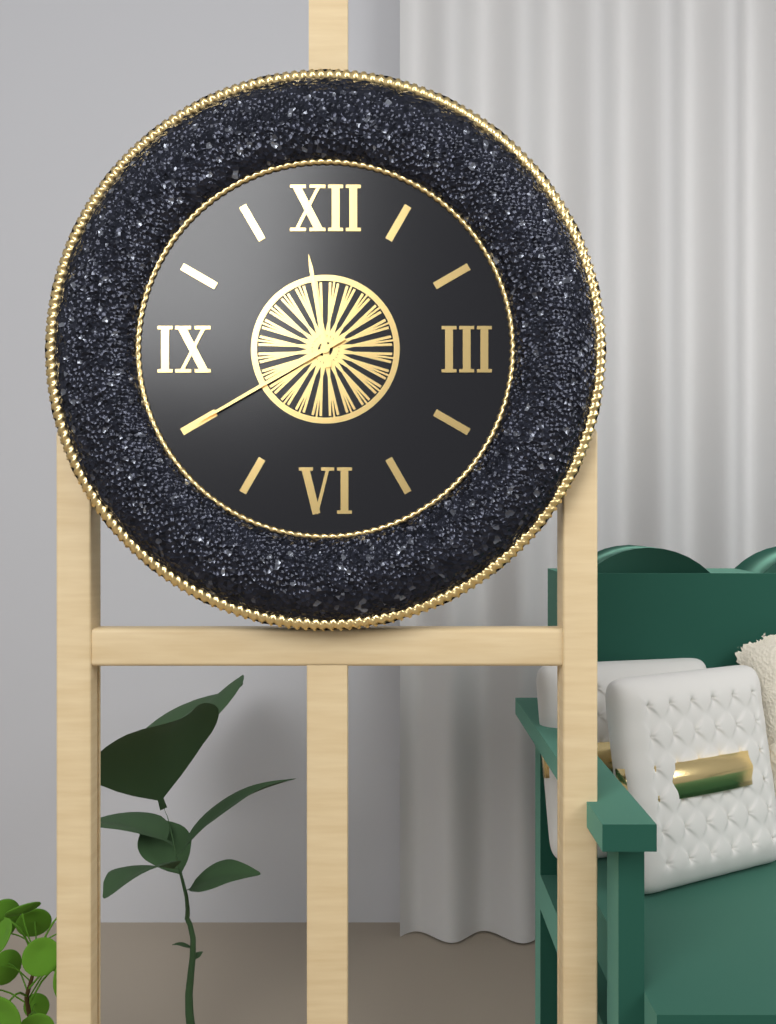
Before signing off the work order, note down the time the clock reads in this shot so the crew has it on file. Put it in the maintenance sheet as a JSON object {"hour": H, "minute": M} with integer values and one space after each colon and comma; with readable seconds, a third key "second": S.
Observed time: {"hour": 11, "minute": 40}
